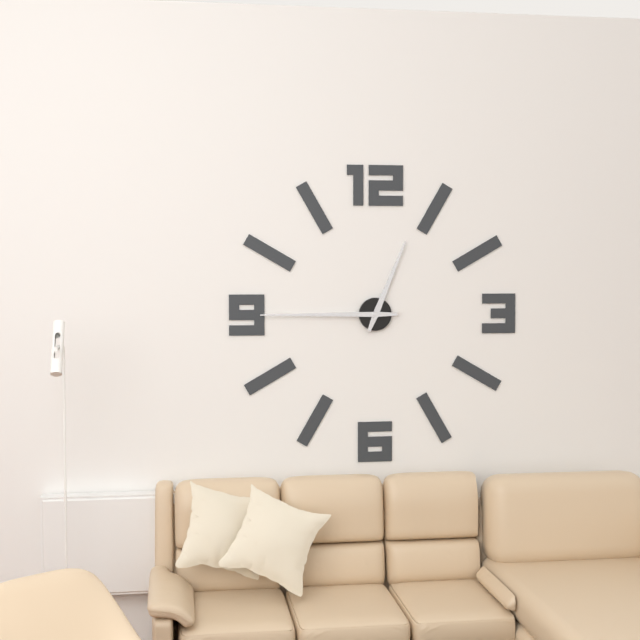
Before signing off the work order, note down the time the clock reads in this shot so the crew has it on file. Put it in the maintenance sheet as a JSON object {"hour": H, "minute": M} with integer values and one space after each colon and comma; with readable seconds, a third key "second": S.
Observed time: {"hour": 12, "minute": 45}
